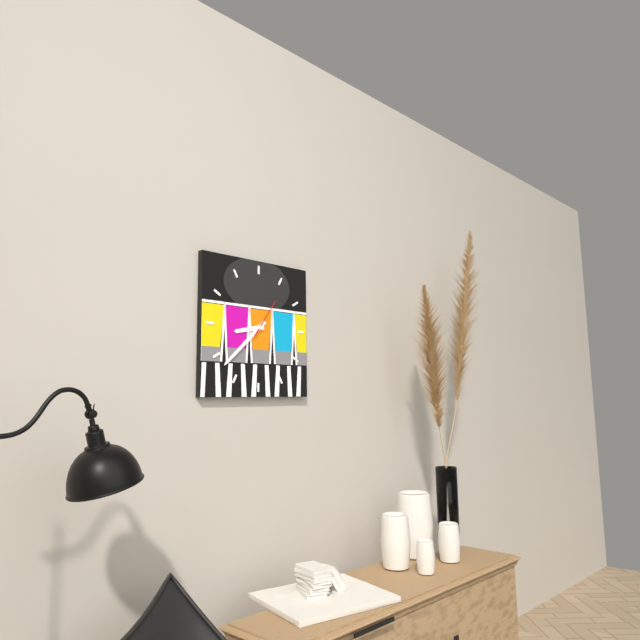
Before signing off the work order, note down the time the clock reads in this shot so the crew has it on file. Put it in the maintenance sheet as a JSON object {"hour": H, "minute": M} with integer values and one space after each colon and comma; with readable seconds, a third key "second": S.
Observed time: {"hour": 8, "minute": 38}
